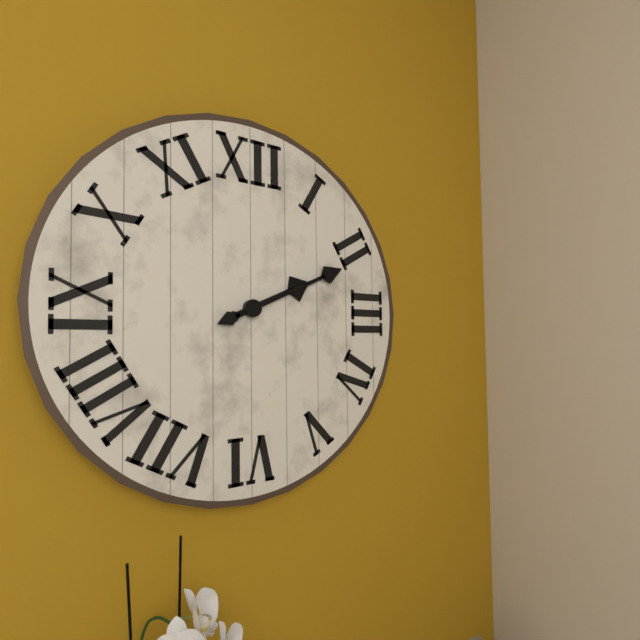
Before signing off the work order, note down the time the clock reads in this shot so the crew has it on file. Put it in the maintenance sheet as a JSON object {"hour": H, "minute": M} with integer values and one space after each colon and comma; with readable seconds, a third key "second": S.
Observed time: {"hour": 2, "minute": 11}
